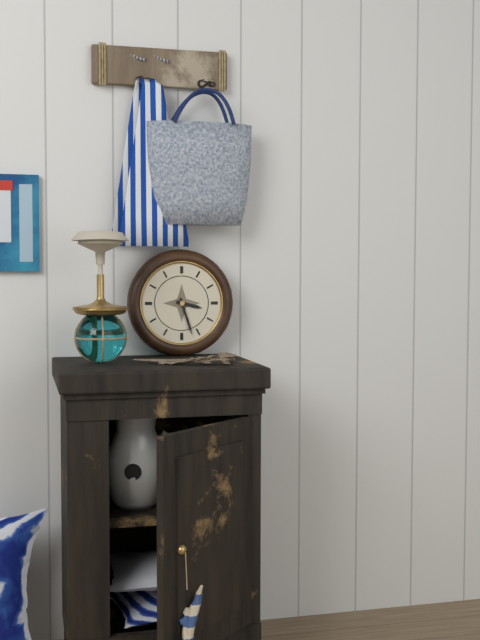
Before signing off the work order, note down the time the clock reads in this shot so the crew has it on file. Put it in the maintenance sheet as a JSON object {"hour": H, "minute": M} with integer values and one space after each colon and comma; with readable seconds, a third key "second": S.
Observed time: {"hour": 3, "minute": 27}
